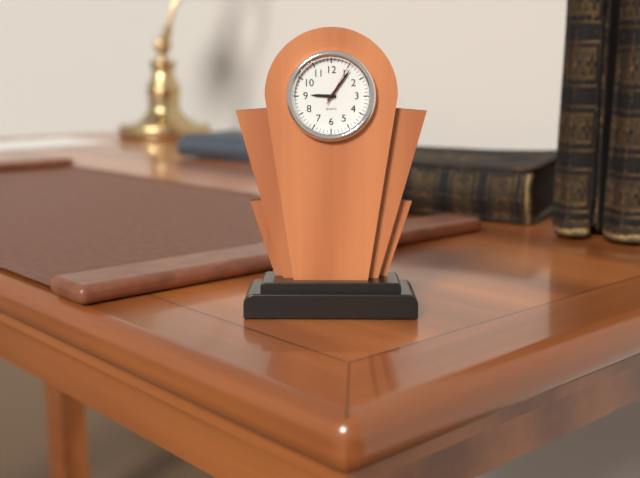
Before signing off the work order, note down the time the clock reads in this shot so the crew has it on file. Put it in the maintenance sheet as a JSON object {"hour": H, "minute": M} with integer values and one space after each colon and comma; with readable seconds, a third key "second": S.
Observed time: {"hour": 9, "minute": 6}
